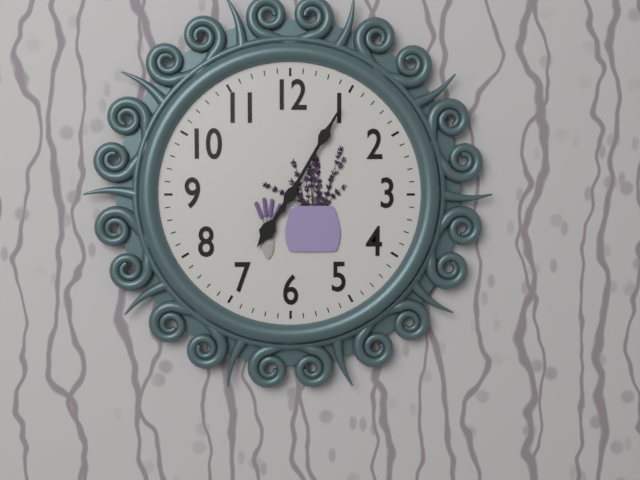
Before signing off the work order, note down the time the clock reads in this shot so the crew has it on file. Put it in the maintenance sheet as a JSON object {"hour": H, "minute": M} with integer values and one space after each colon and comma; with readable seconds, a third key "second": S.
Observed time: {"hour": 7, "minute": 5}
